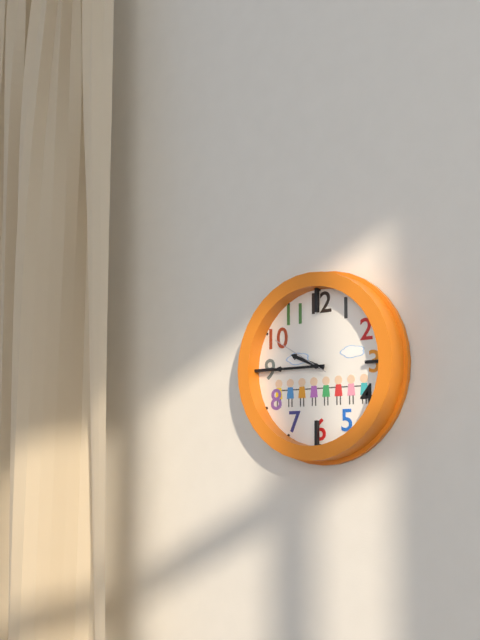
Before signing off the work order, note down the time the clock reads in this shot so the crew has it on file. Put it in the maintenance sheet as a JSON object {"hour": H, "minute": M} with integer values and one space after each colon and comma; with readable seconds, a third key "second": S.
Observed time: {"hour": 9, "minute": 45, "second": 50}
